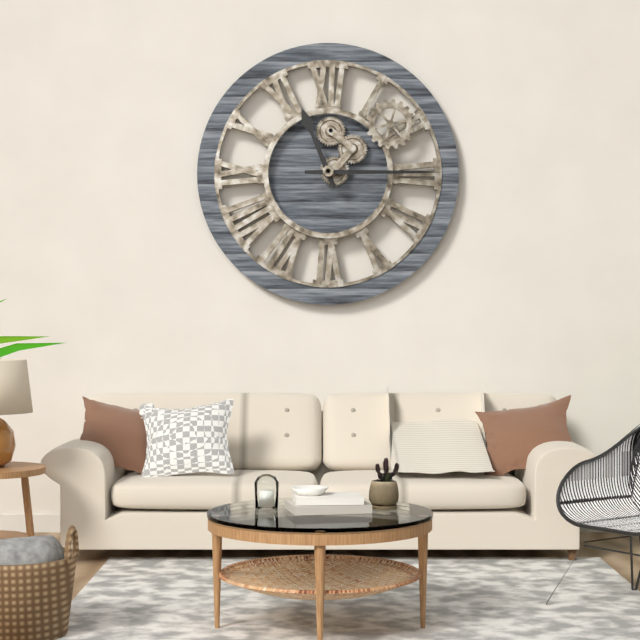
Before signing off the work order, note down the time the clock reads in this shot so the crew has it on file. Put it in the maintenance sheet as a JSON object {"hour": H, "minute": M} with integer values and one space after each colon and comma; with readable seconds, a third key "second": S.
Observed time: {"hour": 11, "minute": 15}
